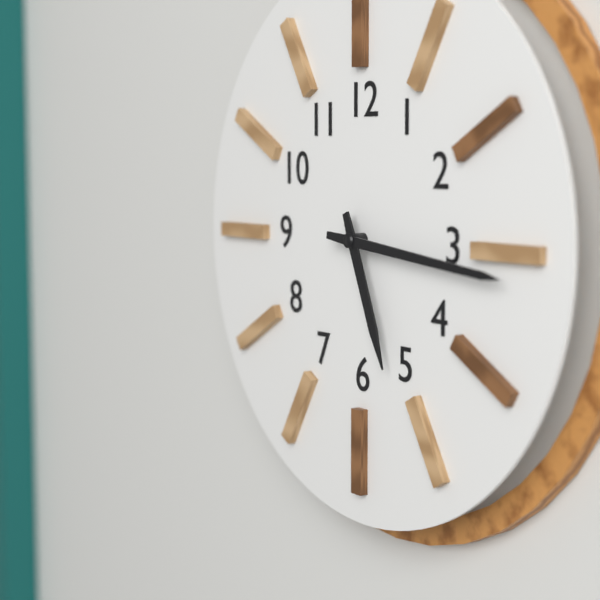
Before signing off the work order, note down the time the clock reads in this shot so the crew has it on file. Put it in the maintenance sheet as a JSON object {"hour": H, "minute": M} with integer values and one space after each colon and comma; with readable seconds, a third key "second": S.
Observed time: {"hour": 5, "minute": 16}
